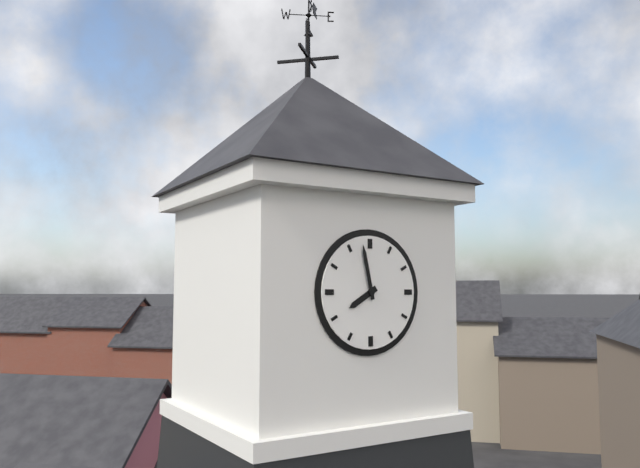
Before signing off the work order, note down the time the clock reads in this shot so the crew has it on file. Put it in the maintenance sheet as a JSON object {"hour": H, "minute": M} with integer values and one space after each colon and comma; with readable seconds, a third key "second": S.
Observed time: {"hour": 7, "minute": 58}
